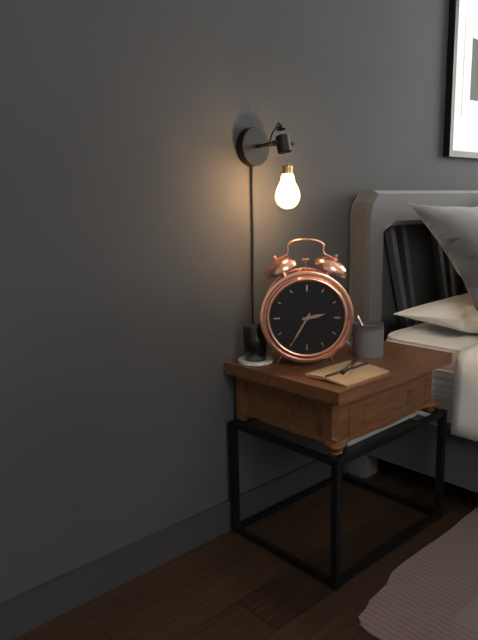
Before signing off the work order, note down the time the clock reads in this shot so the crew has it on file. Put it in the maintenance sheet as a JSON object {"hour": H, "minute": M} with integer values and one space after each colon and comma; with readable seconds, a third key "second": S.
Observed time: {"hour": 2, "minute": 35}
